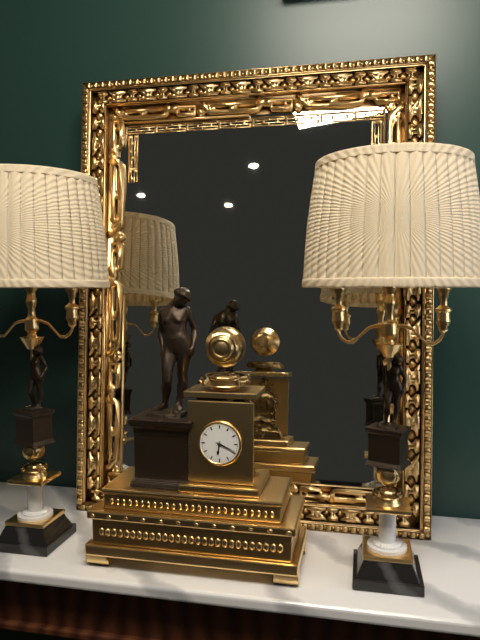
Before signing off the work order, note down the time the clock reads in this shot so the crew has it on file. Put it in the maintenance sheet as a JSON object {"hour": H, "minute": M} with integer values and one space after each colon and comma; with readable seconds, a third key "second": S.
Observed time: {"hour": 6, "minute": 19}
